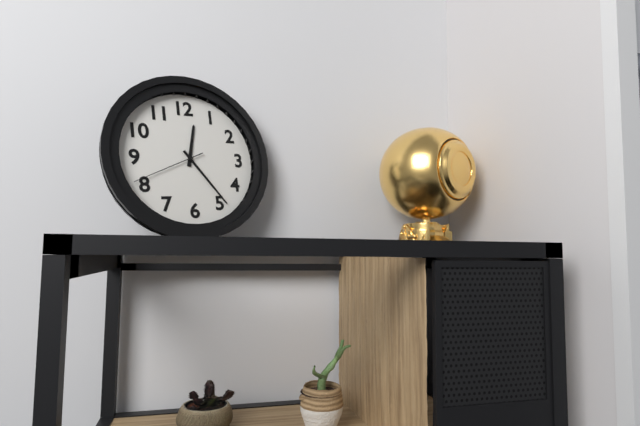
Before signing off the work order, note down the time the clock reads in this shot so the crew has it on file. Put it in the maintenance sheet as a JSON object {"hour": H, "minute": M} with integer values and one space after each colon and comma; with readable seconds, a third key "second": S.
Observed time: {"hour": 12, "minute": 24, "second": 41}
